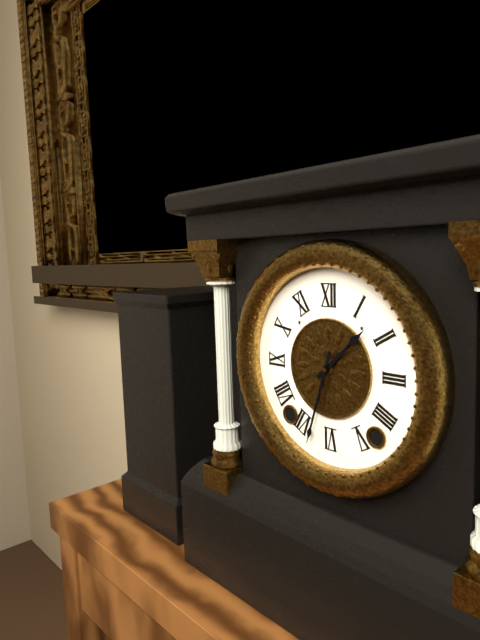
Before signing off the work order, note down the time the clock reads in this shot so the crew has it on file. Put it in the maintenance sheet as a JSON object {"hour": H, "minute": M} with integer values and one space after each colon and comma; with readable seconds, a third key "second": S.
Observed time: {"hour": 1, "minute": 33}
